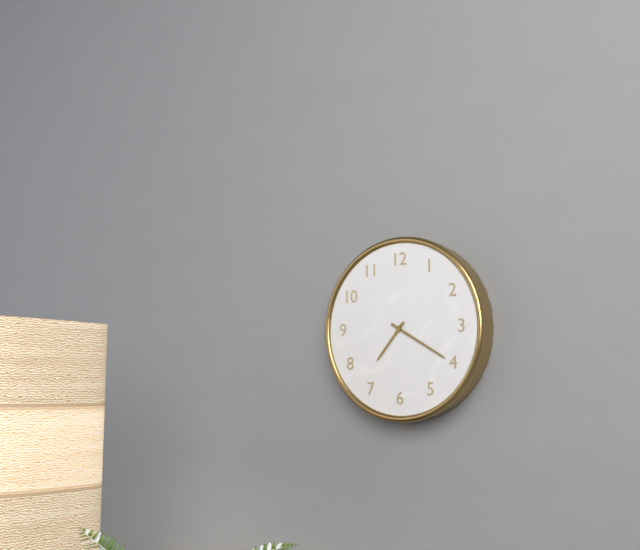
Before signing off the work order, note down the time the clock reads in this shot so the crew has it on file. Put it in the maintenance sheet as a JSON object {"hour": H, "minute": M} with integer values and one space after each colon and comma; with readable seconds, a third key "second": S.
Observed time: {"hour": 7, "minute": 20}
